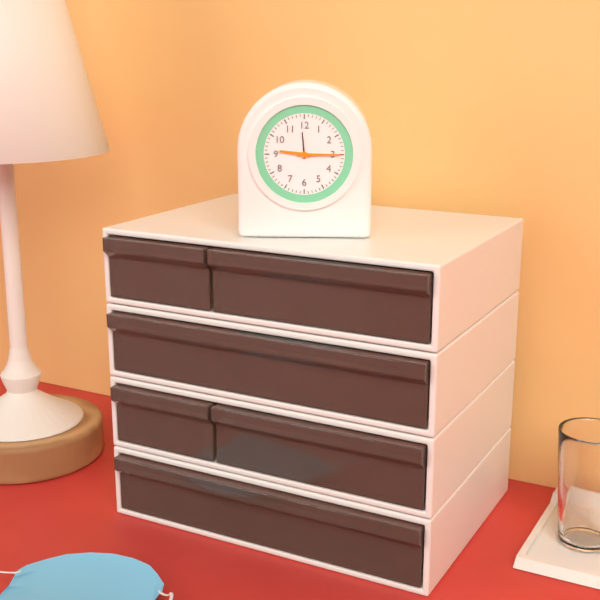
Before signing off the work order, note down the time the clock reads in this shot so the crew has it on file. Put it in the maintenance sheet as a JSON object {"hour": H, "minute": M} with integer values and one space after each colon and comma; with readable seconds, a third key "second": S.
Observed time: {"hour": 9, "minute": 15}
